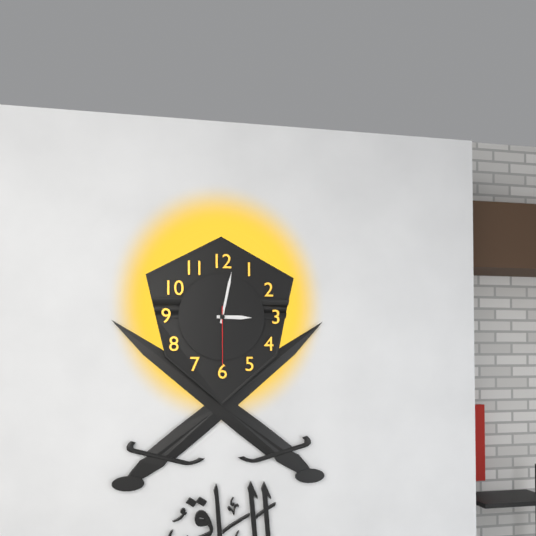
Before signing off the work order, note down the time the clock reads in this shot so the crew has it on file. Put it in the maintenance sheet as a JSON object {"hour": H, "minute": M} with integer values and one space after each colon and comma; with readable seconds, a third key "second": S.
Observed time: {"hour": 3, "minute": 2, "second": 30}
